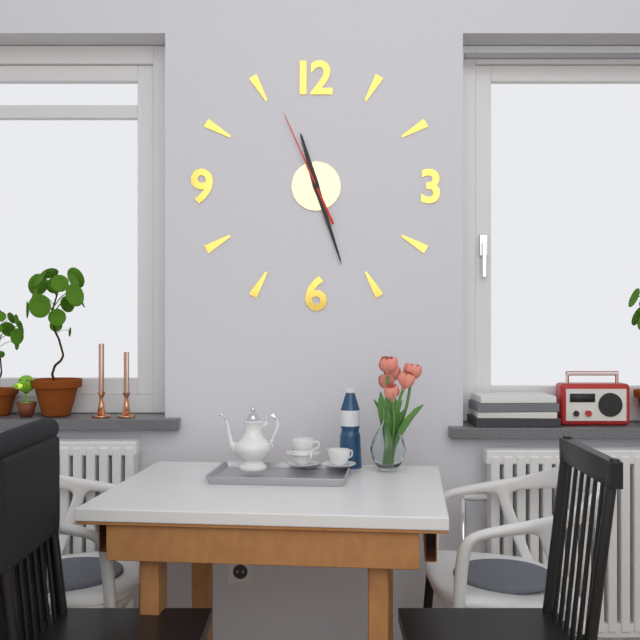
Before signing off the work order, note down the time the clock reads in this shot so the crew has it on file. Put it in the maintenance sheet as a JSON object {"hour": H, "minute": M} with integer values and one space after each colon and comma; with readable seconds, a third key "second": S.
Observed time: {"hour": 11, "minute": 27, "second": 56}
